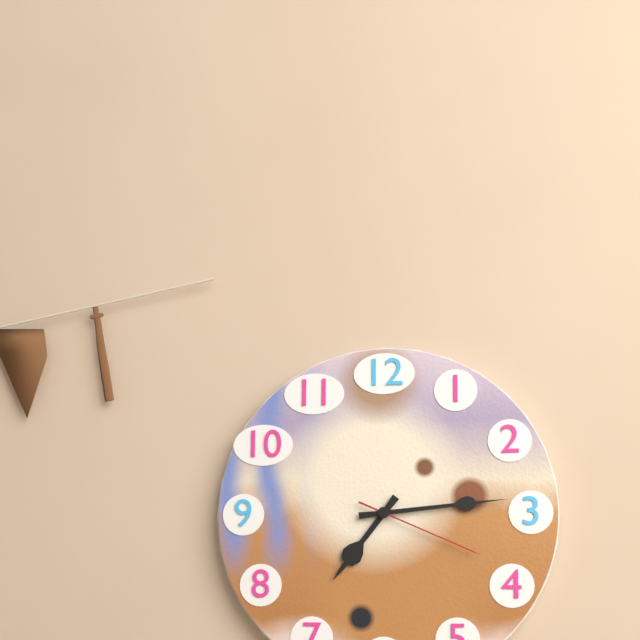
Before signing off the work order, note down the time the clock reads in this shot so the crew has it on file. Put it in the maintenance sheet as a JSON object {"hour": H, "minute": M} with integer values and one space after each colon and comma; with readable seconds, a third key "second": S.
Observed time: {"hour": 7, "minute": 14, "second": 19}
